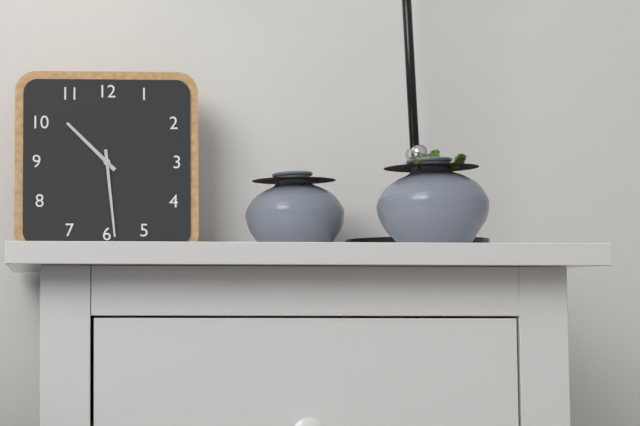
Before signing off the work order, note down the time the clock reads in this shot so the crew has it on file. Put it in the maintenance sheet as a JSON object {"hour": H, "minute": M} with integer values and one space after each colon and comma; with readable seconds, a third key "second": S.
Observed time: {"hour": 10, "minute": 29}
